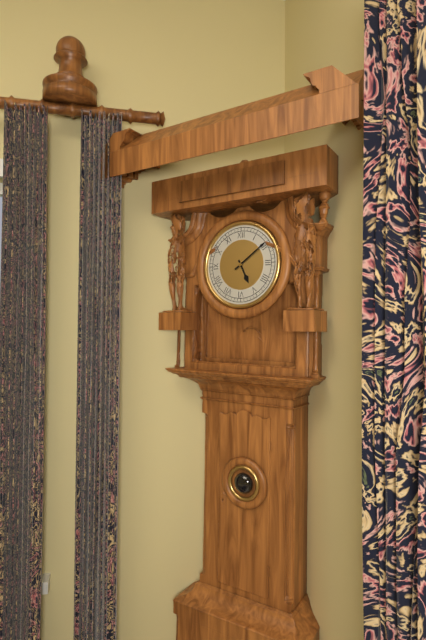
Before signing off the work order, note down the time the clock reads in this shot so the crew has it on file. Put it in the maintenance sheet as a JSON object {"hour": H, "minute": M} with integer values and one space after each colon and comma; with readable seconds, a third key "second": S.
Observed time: {"hour": 5, "minute": 9}
